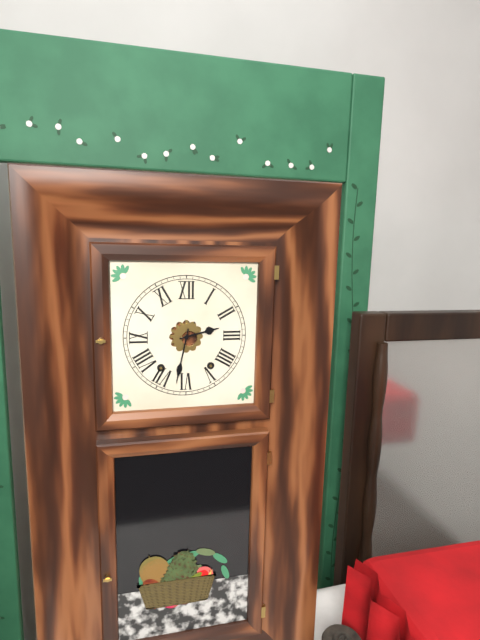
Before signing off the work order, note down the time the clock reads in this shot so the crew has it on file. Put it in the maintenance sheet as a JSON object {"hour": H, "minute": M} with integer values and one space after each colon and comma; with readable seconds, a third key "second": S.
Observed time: {"hour": 2, "minute": 32}
